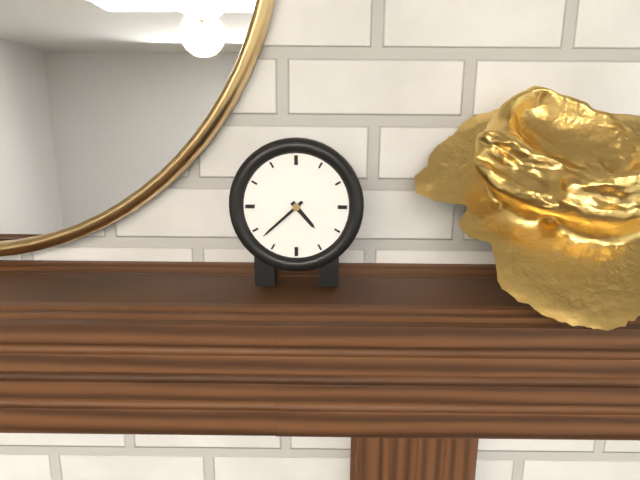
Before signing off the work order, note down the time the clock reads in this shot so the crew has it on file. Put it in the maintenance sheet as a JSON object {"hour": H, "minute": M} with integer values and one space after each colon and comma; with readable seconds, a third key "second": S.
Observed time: {"hour": 4, "minute": 38}
